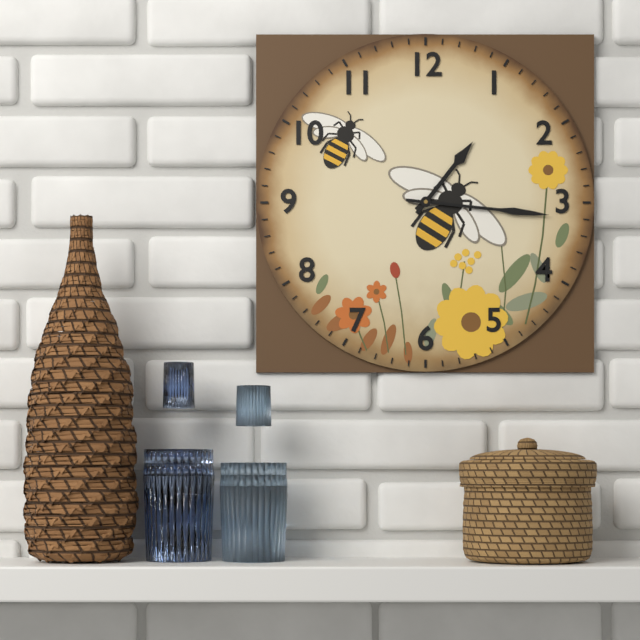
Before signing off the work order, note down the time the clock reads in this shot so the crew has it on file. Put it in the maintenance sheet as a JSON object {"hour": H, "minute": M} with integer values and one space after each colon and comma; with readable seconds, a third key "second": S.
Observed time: {"hour": 1, "minute": 16}
